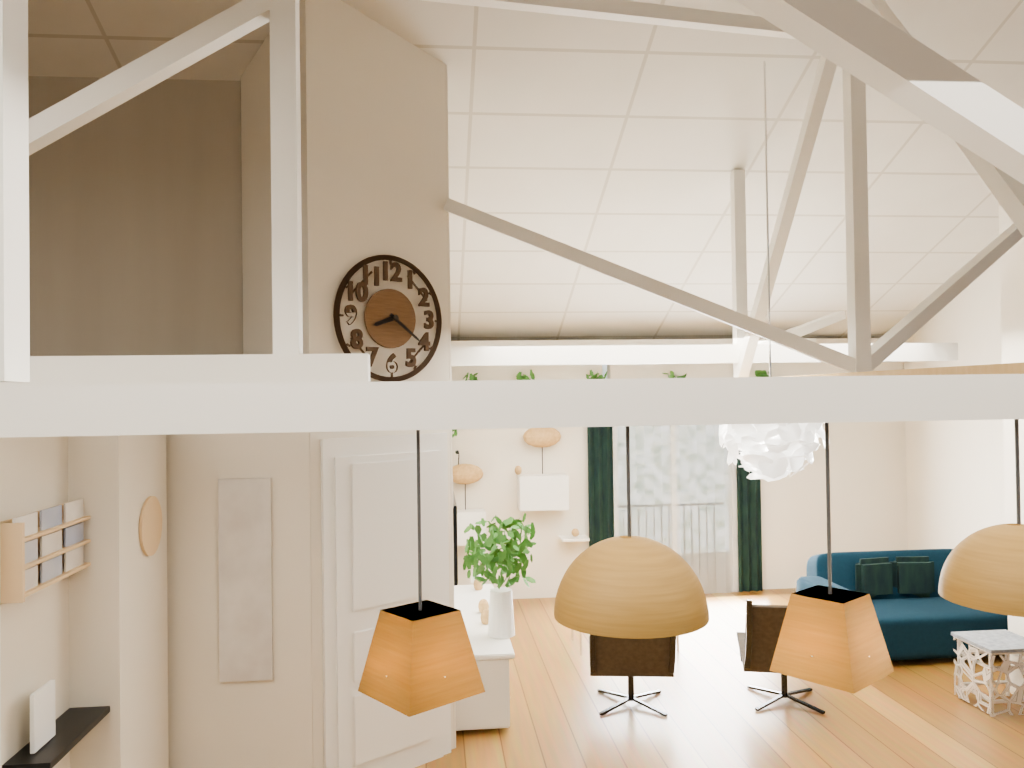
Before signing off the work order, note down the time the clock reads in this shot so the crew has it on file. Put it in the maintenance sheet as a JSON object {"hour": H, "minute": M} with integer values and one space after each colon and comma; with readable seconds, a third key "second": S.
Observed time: {"hour": 8, "minute": 21}
